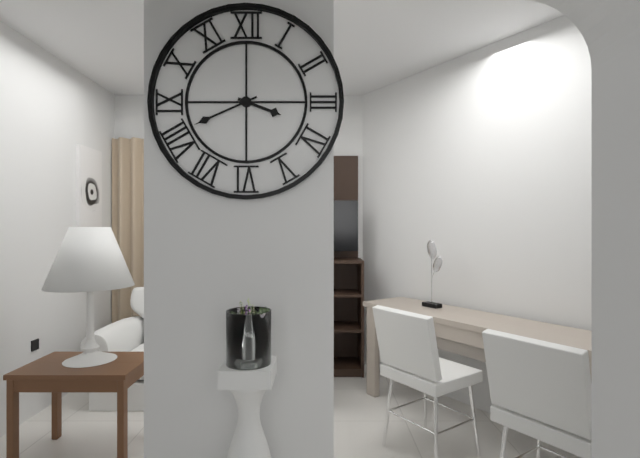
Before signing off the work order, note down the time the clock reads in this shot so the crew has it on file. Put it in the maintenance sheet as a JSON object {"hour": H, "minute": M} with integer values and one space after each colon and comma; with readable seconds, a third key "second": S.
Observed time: {"hour": 3, "minute": 41}
